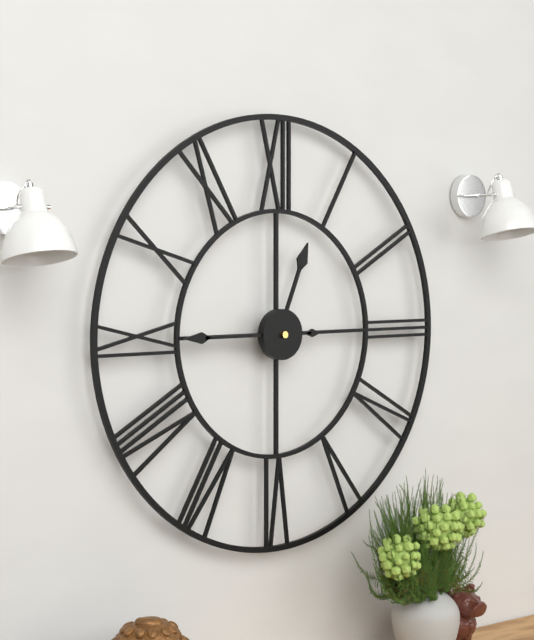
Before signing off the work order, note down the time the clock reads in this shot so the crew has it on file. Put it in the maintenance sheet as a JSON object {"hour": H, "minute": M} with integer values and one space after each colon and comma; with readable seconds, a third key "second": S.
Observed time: {"hour": 12, "minute": 45}
